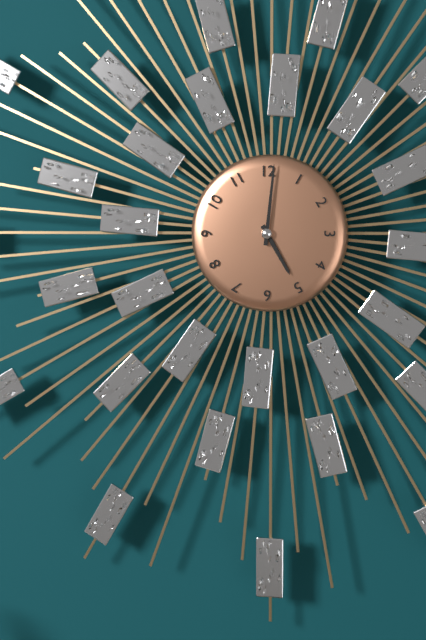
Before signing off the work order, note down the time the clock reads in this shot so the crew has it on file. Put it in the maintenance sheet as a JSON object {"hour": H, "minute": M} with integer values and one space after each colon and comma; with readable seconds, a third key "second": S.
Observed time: {"hour": 5, "minute": 1}
